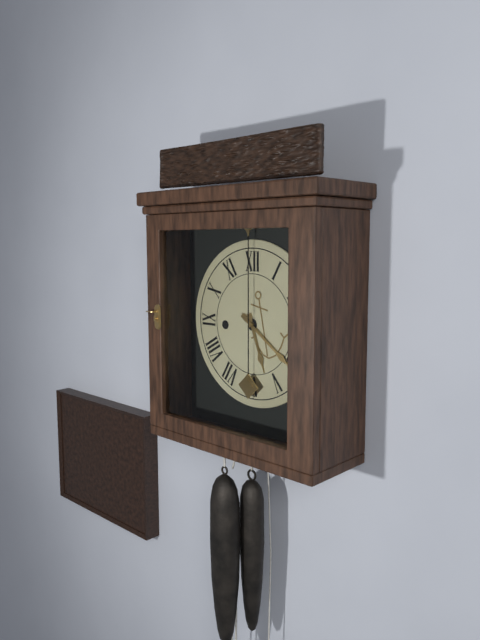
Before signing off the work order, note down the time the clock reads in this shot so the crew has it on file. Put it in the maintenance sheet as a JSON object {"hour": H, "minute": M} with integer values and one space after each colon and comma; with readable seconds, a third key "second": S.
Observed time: {"hour": 5, "minute": 21}
